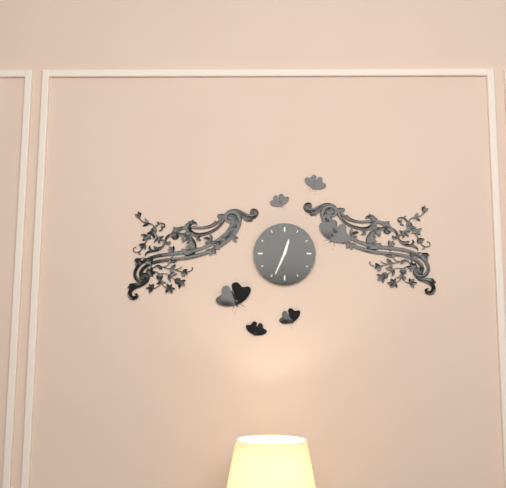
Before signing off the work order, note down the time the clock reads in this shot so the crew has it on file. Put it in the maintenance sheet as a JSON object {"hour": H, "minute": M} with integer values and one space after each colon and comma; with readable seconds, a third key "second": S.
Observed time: {"hour": 12, "minute": 34}
